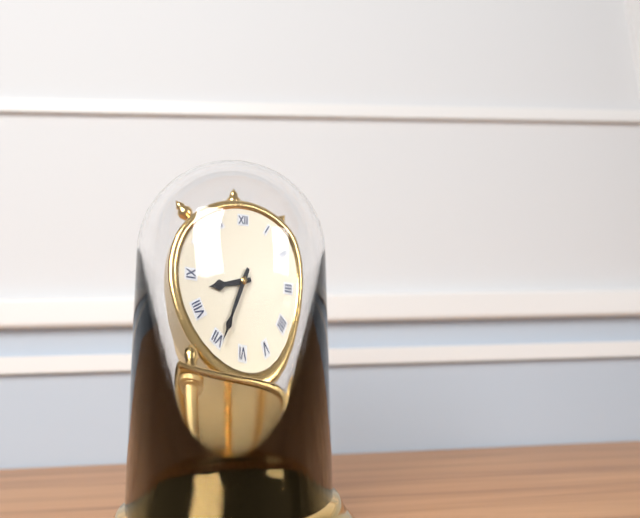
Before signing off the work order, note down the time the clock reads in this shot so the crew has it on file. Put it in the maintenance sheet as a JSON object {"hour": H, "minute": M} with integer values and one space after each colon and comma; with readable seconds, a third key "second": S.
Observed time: {"hour": 8, "minute": 34}
